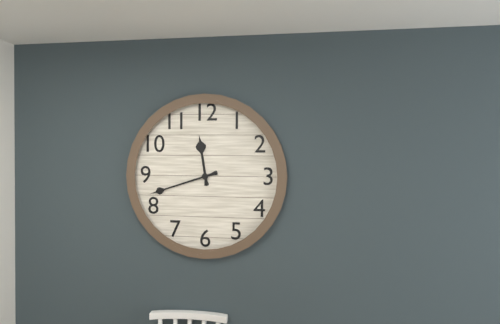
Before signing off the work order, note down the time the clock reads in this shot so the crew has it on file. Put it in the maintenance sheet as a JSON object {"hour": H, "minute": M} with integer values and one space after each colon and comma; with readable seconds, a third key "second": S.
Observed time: {"hour": 11, "minute": 42}
